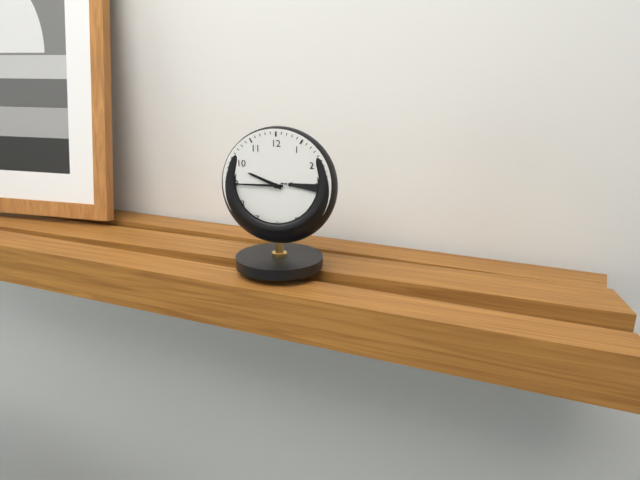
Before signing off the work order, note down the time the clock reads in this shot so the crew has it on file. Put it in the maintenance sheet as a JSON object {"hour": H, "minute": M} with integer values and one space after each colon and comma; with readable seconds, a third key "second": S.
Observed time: {"hour": 9, "minute": 45}
